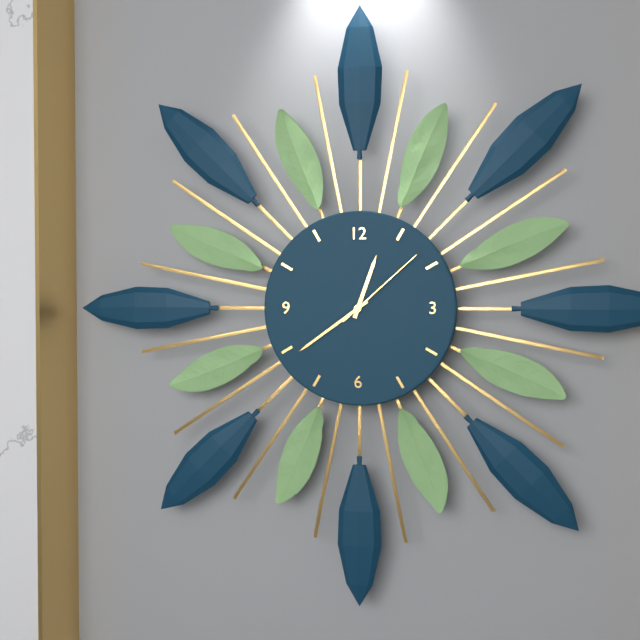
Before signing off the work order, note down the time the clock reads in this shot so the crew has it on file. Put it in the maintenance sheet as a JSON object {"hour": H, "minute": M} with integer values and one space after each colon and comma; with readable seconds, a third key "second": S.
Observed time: {"hour": 12, "minute": 39, "second": 8}
